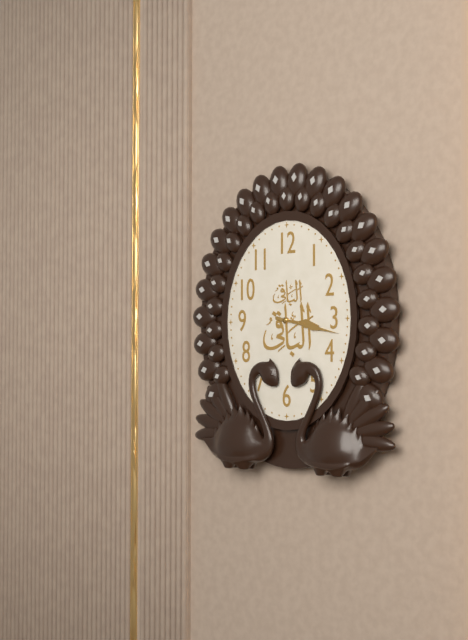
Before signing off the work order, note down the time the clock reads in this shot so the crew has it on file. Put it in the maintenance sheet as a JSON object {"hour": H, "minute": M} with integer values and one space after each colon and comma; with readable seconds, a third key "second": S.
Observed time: {"hour": 3, "minute": 17}
